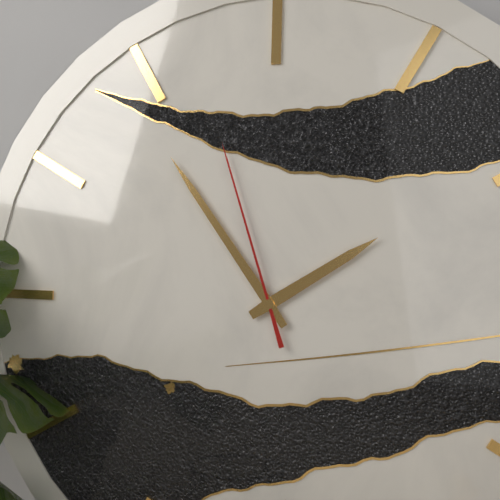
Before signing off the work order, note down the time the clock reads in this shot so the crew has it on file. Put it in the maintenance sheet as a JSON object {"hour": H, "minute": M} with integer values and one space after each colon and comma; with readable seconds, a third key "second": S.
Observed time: {"hour": 1, "minute": 54, "second": 57}
